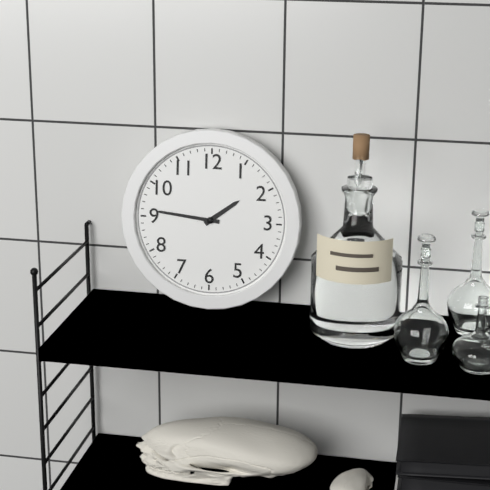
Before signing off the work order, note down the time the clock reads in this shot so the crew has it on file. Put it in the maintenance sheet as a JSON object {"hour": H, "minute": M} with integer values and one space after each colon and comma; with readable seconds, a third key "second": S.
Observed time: {"hour": 1, "minute": 46}
